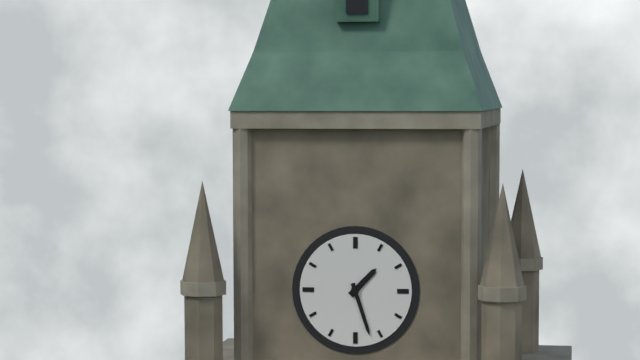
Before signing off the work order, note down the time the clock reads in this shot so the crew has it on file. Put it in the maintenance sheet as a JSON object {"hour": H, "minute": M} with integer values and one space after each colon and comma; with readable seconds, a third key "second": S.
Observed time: {"hour": 1, "minute": 27}
